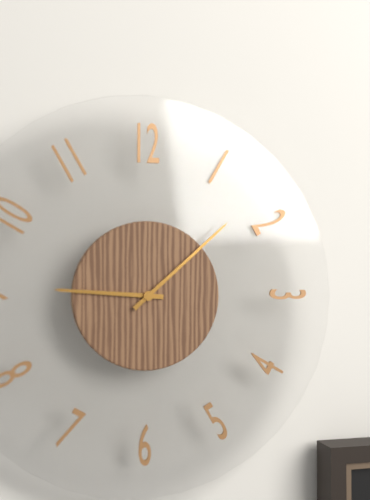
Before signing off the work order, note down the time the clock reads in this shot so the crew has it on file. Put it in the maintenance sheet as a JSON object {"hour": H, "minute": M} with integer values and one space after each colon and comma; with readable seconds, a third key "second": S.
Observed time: {"hour": 9, "minute": 8}
